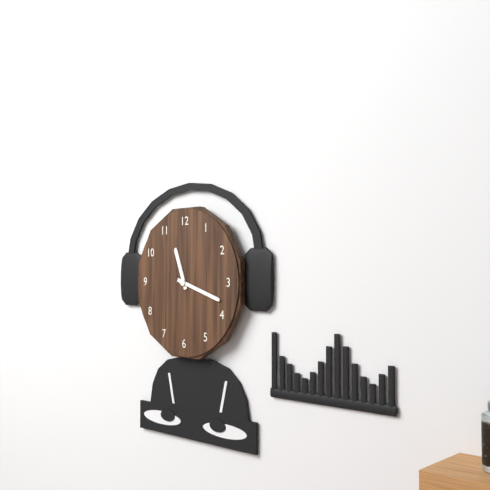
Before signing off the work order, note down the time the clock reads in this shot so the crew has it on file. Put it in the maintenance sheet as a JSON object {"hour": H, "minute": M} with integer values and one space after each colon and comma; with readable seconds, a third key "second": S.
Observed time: {"hour": 11, "minute": 18}
